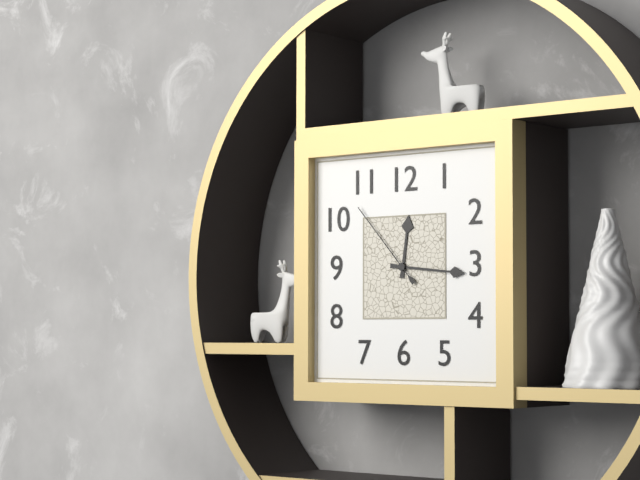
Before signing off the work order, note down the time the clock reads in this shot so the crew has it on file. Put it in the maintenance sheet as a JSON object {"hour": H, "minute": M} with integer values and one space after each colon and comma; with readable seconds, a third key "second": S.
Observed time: {"hour": 12, "minute": 16, "second": 53}
